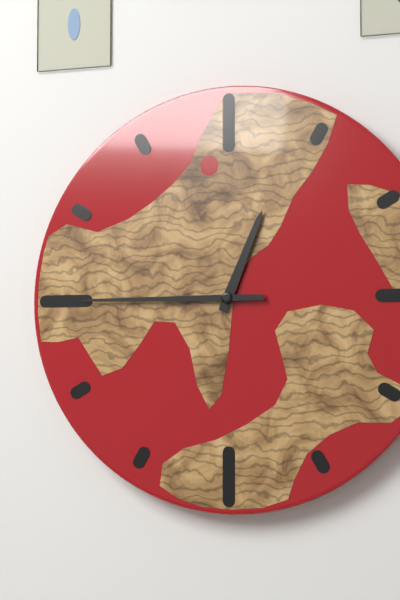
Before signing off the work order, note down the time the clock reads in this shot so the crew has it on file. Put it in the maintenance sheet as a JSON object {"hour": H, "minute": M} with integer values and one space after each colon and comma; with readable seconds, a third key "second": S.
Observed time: {"hour": 12, "minute": 45}
